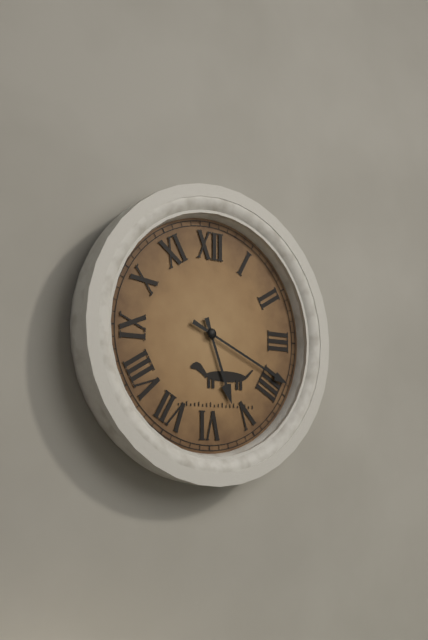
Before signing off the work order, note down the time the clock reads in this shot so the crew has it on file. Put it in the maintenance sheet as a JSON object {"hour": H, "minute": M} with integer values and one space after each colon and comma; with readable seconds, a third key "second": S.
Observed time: {"hour": 5, "minute": 19}
